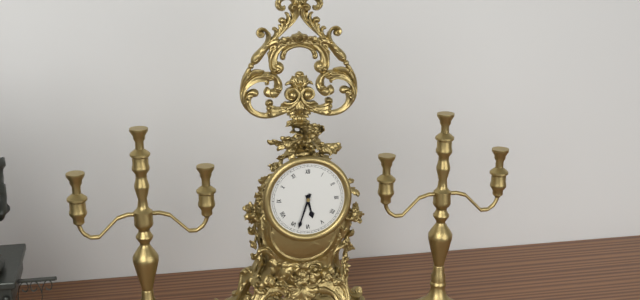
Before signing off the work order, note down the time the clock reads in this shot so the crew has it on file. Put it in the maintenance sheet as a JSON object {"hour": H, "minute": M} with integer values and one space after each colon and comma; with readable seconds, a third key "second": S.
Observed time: {"hour": 5, "minute": 33}
